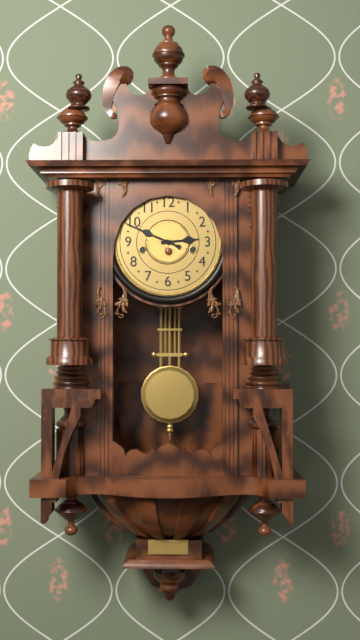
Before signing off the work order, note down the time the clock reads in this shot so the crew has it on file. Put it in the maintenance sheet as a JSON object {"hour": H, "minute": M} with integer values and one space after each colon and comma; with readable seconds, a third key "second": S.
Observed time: {"hour": 2, "minute": 49}
